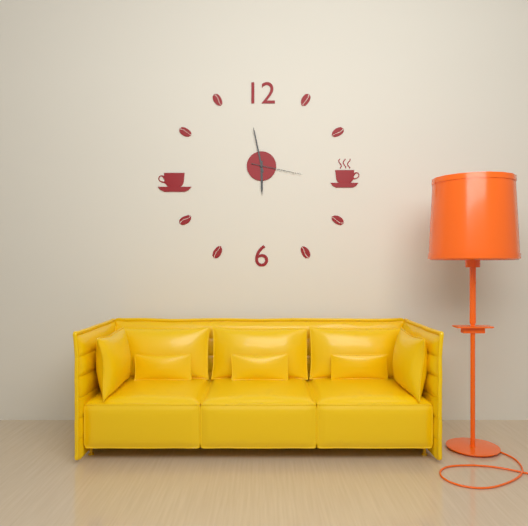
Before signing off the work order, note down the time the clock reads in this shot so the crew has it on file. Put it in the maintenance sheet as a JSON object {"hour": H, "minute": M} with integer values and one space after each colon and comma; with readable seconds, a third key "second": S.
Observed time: {"hour": 5, "minute": 58, "second": 17}
